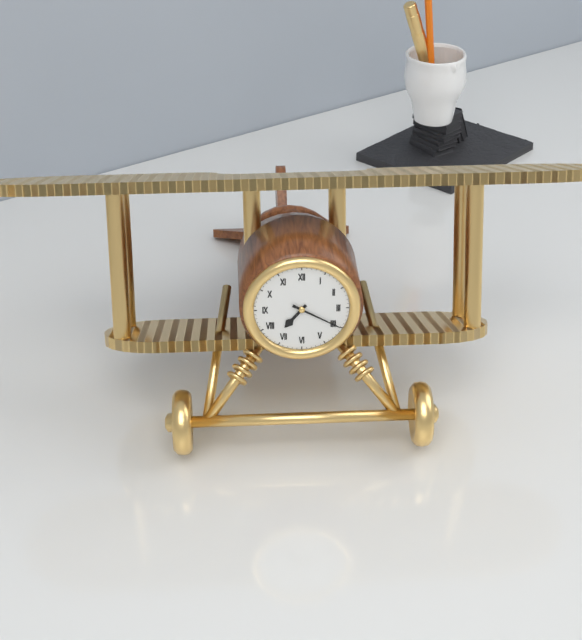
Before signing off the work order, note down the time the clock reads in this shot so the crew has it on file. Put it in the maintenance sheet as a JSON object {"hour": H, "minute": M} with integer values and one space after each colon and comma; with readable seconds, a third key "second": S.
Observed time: {"hour": 7, "minute": 20}
